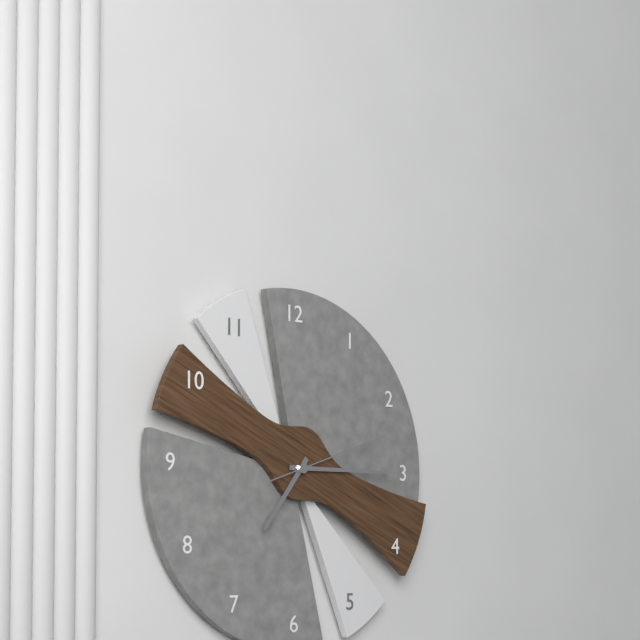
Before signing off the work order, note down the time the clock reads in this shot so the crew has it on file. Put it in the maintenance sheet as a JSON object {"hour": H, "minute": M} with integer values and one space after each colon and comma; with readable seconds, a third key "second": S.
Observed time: {"hour": 7, "minute": 15, "second": 12}
